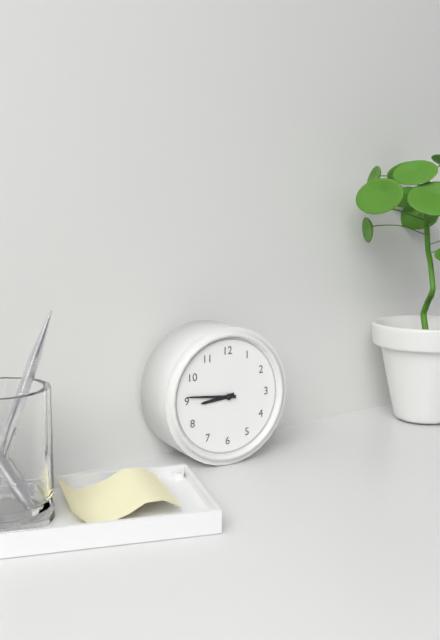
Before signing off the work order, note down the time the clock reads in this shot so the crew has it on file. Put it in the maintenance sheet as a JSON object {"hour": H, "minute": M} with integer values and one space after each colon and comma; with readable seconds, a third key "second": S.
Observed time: {"hour": 8, "minute": 46}
